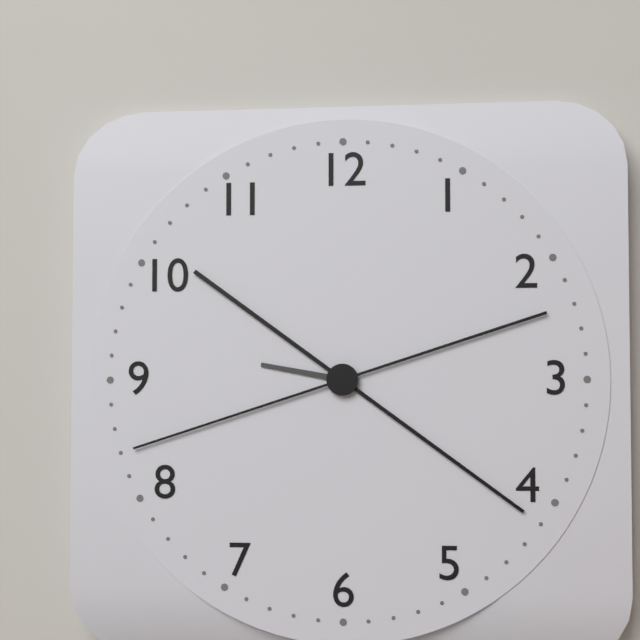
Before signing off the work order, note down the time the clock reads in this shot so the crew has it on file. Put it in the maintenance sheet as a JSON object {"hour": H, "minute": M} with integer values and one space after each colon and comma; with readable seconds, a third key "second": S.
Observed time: {"hour": 9, "minute": 21, "second": 42}
